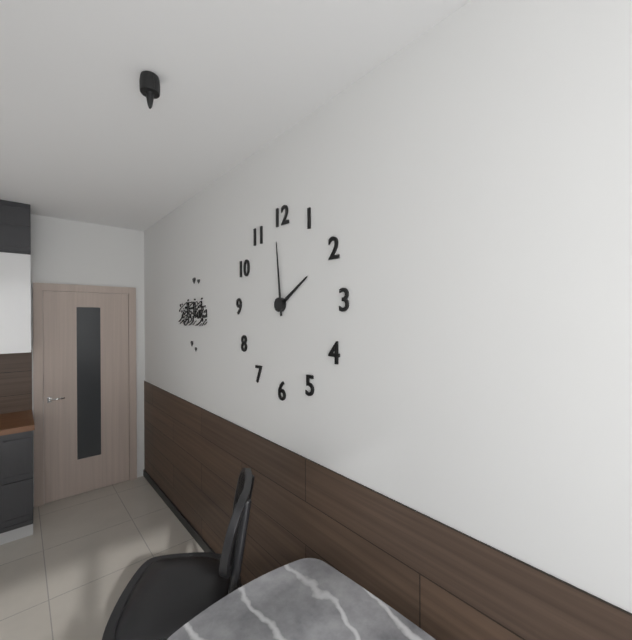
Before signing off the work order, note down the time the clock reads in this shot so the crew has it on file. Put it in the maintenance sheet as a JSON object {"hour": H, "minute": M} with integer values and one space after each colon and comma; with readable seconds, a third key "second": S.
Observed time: {"hour": 1, "minute": 59}
